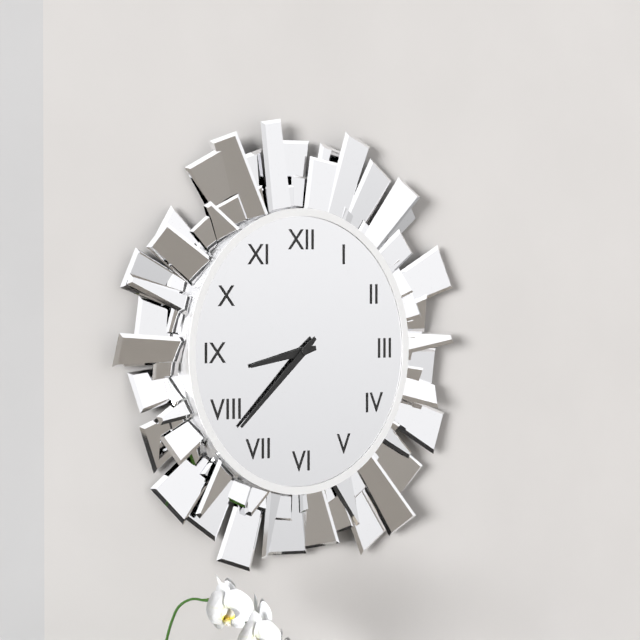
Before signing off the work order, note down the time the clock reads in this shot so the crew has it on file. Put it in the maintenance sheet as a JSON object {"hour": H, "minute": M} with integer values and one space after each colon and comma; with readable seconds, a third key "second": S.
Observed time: {"hour": 8, "minute": 38}
